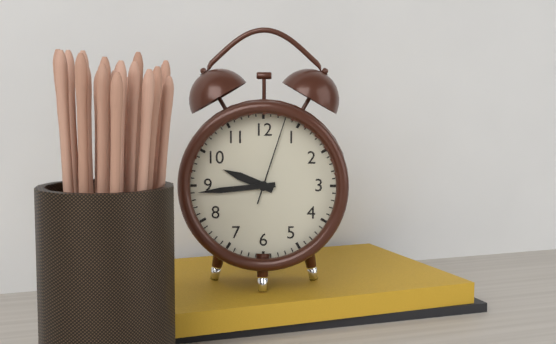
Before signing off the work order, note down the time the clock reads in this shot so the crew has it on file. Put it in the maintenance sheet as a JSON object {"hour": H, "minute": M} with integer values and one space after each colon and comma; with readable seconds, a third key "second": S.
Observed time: {"hour": 9, "minute": 44, "second": 3}
